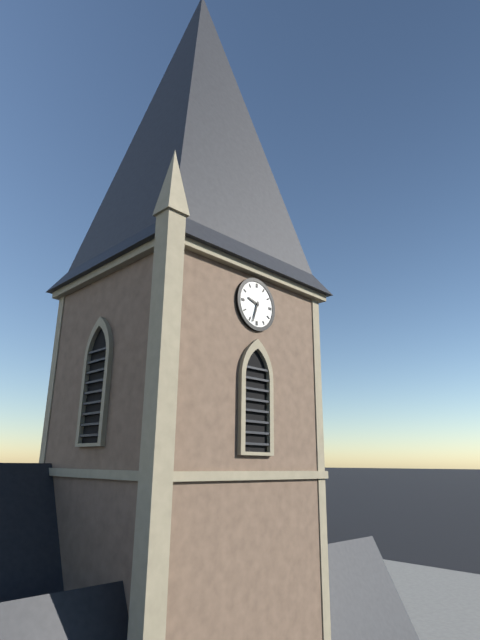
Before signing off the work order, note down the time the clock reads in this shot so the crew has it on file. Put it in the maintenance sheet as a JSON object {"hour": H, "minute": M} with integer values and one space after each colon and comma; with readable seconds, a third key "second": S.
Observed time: {"hour": 9, "minute": 33}
